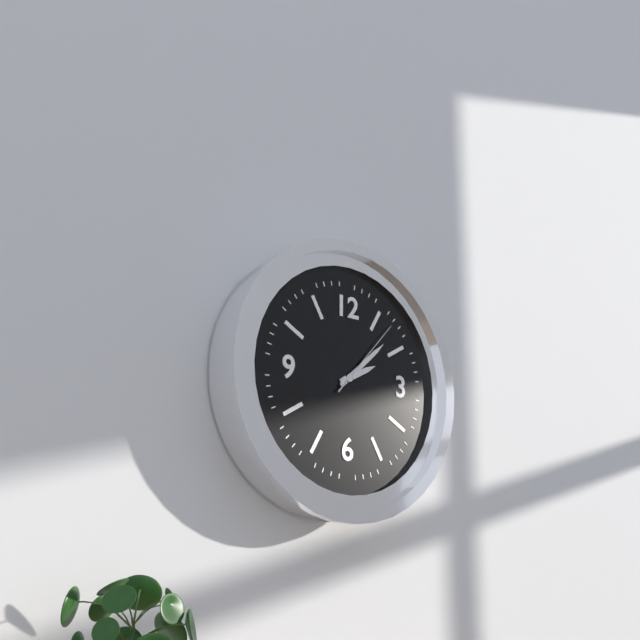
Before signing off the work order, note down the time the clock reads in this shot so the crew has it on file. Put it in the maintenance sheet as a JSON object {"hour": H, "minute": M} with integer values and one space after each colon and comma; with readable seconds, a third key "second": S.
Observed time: {"hour": 2, "minute": 8, "second": 7}
